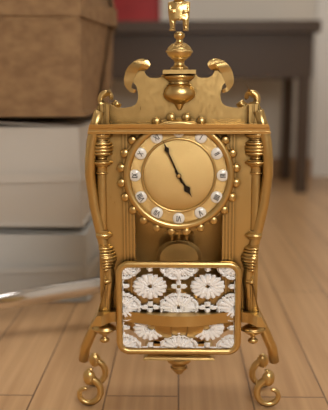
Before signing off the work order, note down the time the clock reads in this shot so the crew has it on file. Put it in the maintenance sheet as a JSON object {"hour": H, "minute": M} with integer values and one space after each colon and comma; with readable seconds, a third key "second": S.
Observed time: {"hour": 4, "minute": 56}
